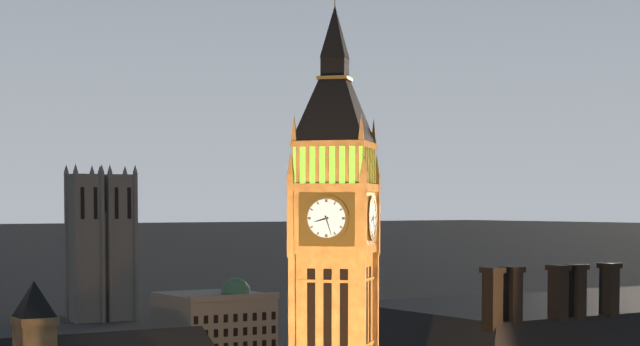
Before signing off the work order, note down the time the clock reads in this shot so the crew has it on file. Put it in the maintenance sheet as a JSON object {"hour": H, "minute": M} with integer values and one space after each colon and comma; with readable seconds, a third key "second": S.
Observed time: {"hour": 8, "minute": 27}
